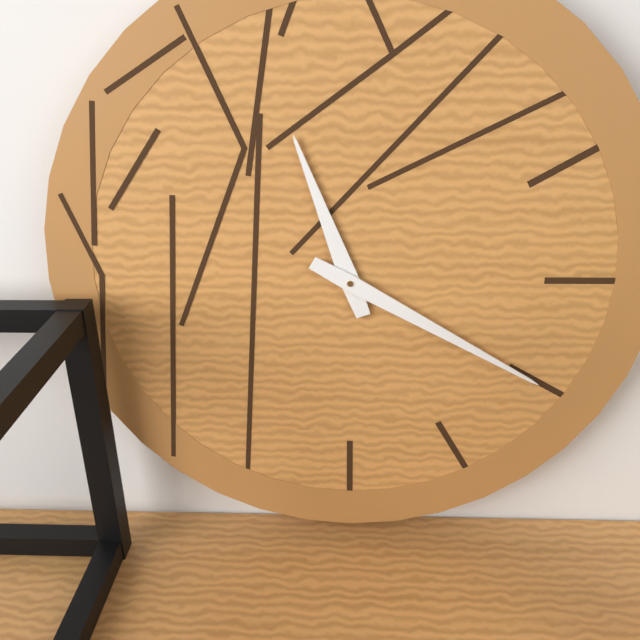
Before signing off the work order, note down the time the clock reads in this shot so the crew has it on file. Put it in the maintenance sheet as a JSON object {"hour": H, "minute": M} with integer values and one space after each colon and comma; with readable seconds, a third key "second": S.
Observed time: {"hour": 11, "minute": 20}
